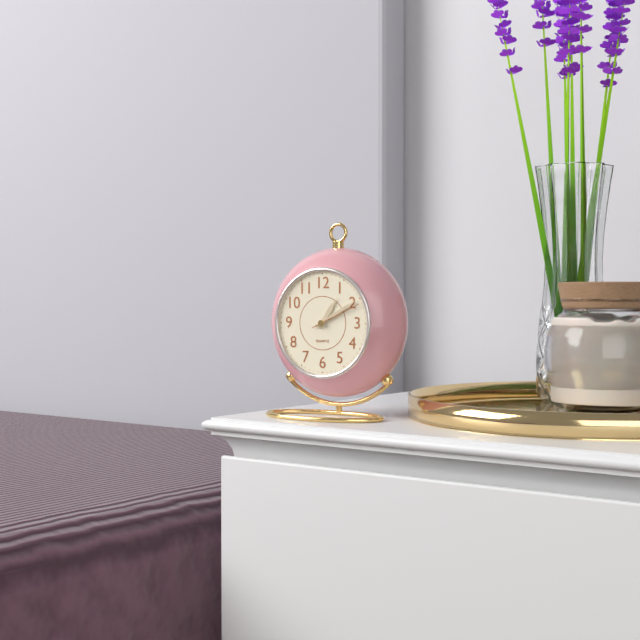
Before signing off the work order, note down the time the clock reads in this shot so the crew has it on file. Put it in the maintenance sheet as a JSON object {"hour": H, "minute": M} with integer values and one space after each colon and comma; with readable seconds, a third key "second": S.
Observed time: {"hour": 1, "minute": 10, "second": 11}
